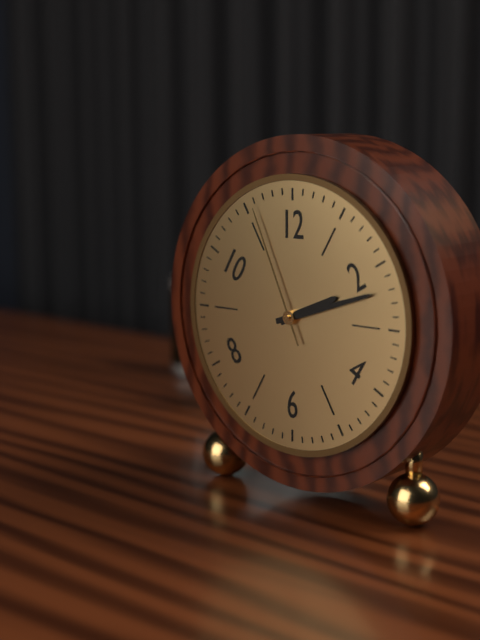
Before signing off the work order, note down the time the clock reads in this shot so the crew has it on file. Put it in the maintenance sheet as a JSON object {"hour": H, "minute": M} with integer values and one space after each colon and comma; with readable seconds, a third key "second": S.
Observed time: {"hour": 2, "minute": 12, "second": 56}
